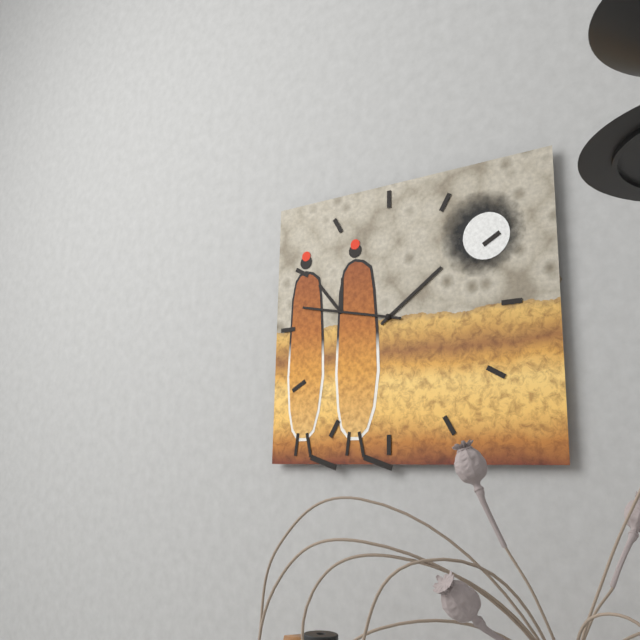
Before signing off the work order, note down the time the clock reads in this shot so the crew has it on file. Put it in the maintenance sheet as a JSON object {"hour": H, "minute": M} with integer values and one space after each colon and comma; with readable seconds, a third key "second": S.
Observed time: {"hour": 1, "minute": 47}
